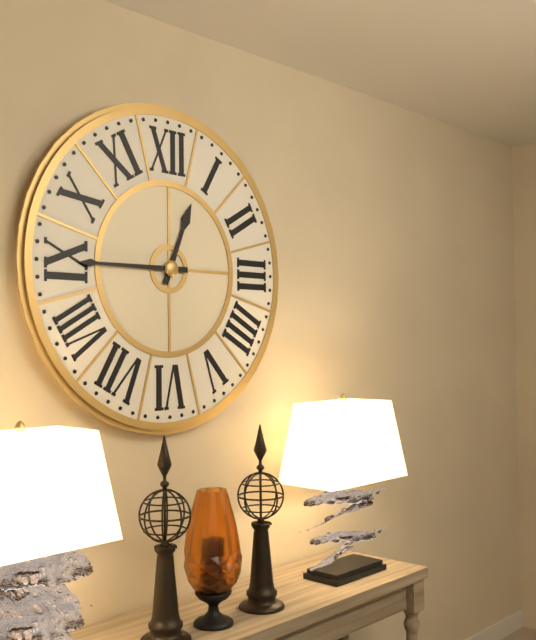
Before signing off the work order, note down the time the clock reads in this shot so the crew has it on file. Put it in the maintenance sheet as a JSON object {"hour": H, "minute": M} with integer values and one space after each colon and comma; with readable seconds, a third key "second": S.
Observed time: {"hour": 12, "minute": 45}
